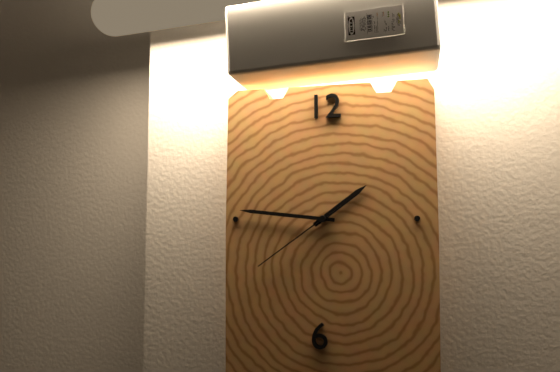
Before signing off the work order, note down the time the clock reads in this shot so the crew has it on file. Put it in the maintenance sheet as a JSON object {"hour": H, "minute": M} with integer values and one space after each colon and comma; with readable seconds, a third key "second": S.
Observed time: {"hour": 1, "minute": 46, "second": 39}
